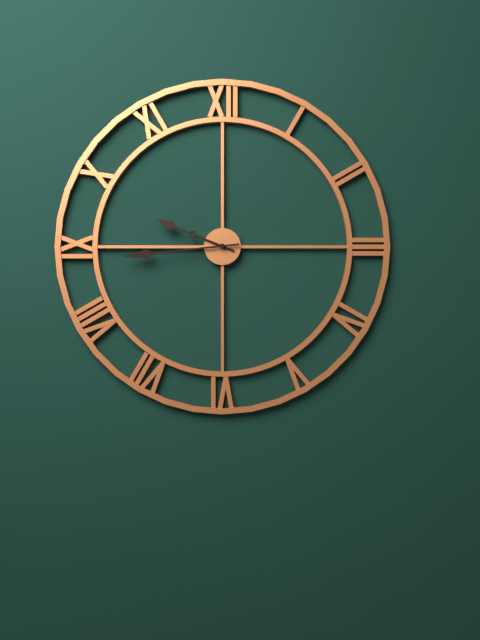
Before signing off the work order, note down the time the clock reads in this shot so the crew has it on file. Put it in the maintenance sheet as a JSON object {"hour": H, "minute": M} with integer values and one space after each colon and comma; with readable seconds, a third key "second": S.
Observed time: {"hour": 9, "minute": 44}
